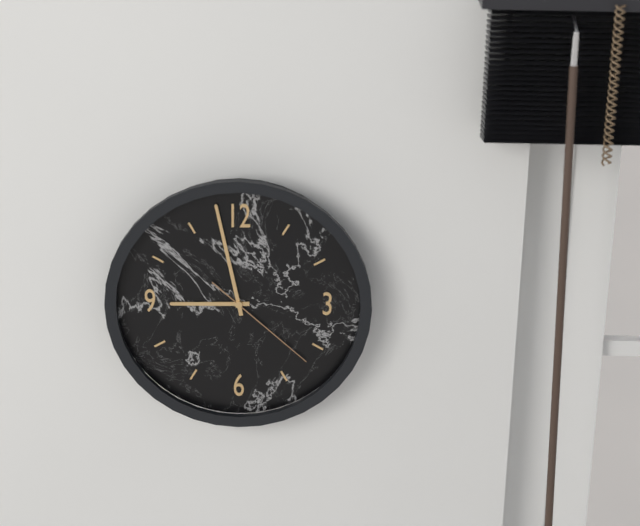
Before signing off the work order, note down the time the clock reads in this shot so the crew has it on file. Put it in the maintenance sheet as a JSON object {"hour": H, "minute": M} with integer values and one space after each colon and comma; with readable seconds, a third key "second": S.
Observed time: {"hour": 8, "minute": 58, "second": 22}
